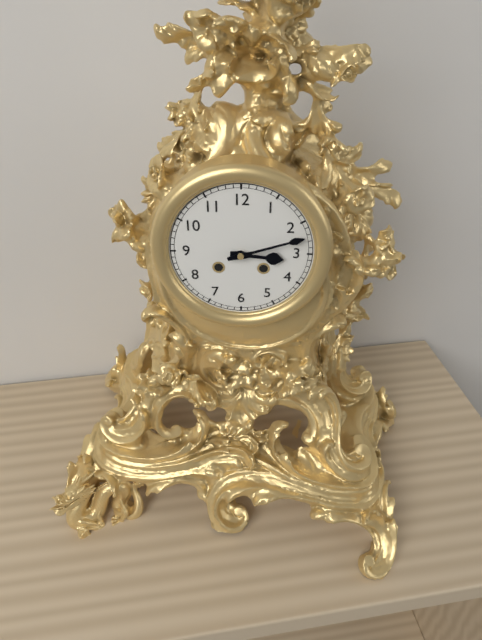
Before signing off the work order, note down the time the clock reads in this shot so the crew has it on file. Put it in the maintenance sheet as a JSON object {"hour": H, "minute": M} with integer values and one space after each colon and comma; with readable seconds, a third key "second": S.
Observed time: {"hour": 3, "minute": 12}
